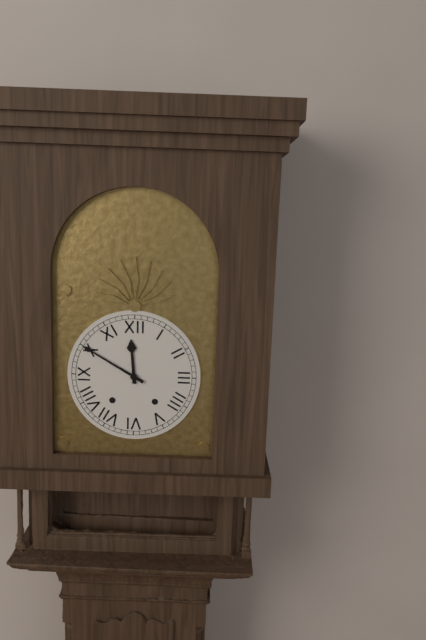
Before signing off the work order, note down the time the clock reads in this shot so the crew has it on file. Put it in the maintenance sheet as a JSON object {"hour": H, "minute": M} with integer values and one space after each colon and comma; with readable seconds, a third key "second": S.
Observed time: {"hour": 11, "minute": 50}
